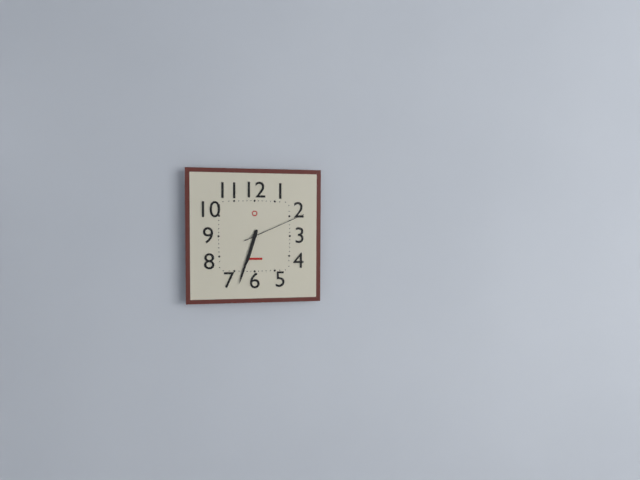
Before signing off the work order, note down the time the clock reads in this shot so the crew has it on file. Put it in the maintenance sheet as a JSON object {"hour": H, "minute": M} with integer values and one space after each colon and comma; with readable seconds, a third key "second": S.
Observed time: {"hour": 6, "minute": 33, "second": 11}
